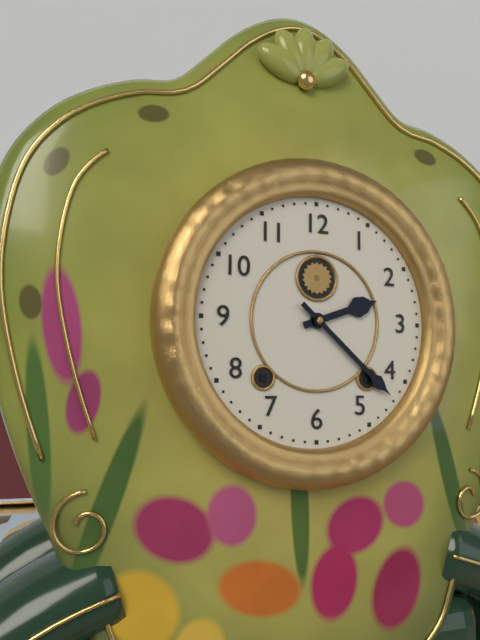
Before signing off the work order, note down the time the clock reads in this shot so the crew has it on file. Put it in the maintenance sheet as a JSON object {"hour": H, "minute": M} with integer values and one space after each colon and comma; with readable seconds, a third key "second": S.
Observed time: {"hour": 2, "minute": 22}
